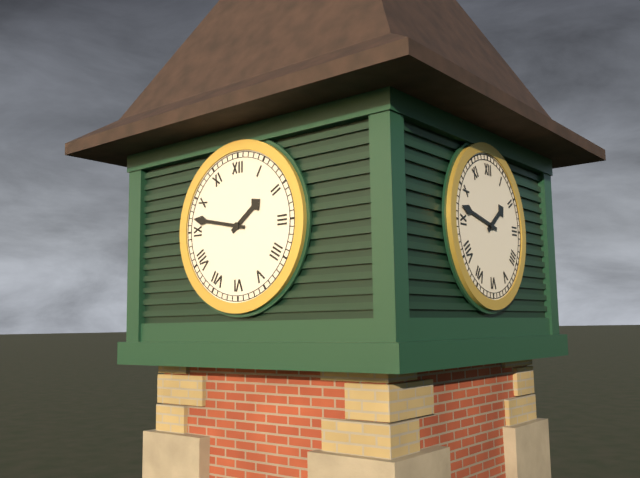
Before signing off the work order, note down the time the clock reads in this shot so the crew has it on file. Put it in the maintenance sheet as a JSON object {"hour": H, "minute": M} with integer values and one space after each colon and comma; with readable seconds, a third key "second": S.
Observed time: {"hour": 1, "minute": 47}
